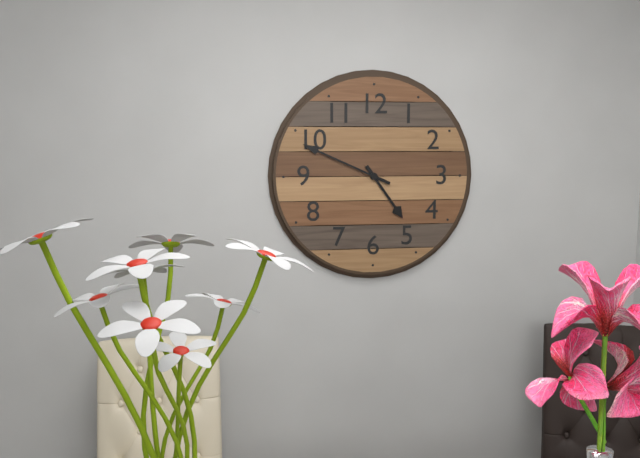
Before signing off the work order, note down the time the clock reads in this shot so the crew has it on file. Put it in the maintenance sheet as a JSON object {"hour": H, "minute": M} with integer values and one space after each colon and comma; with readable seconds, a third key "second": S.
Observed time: {"hour": 4, "minute": 49}
